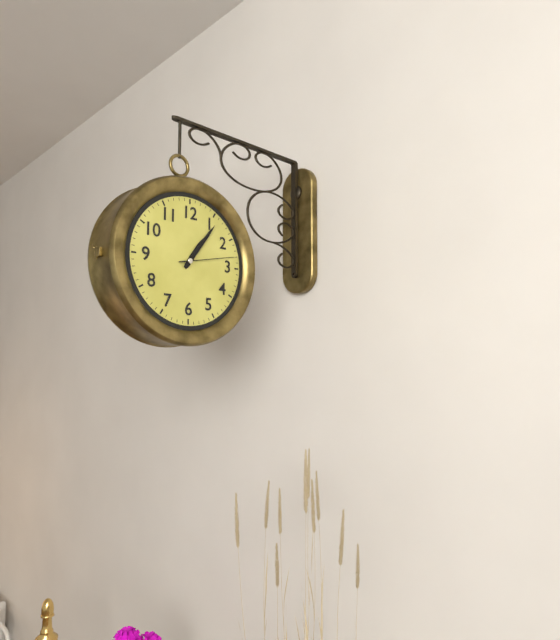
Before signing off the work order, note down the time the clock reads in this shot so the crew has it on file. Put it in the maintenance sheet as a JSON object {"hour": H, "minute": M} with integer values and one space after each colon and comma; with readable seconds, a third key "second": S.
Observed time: {"hour": 1, "minute": 6, "second": 13}
